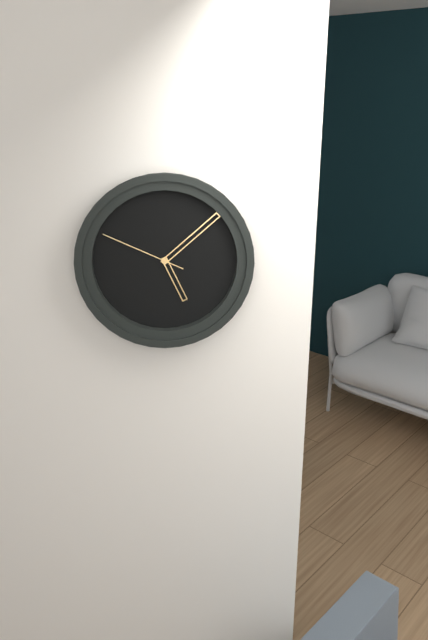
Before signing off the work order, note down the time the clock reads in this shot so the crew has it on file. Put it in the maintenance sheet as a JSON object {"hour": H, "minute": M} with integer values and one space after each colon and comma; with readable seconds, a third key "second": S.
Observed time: {"hour": 5, "minute": 8, "second": 49}
